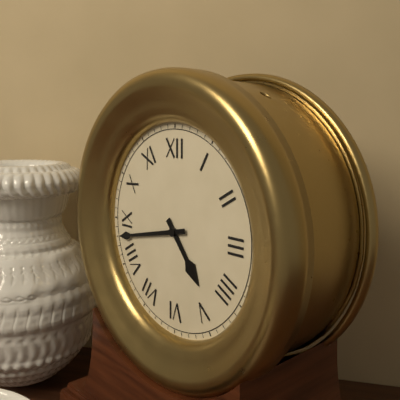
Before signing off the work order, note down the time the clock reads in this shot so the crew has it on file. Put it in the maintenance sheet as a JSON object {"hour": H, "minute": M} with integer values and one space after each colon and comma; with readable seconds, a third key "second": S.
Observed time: {"hour": 4, "minute": 43}
